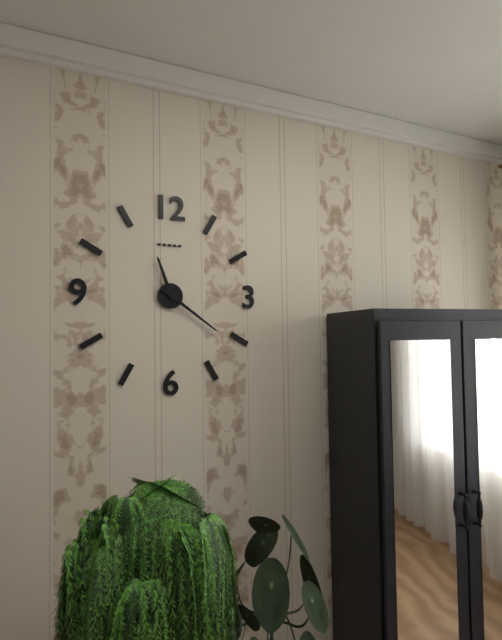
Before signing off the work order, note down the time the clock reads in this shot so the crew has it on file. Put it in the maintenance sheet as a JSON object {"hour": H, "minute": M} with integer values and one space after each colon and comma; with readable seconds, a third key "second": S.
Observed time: {"hour": 11, "minute": 21}
